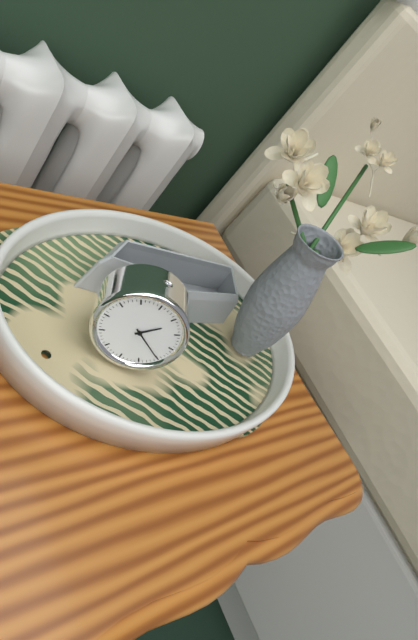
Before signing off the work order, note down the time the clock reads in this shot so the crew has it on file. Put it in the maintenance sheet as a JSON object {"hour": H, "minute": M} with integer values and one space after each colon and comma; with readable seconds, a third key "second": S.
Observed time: {"hour": 1, "minute": 20}
